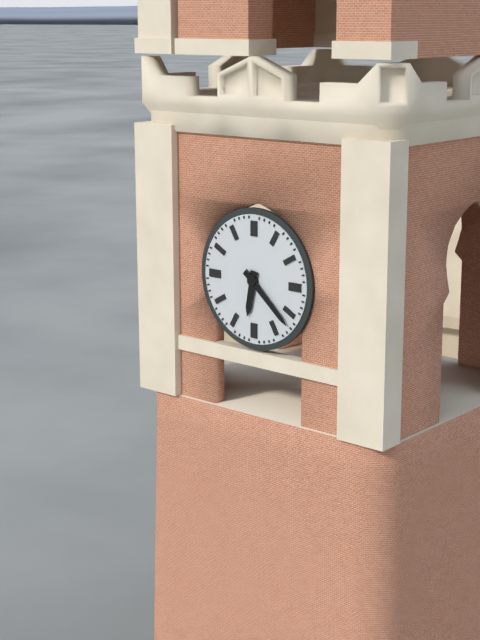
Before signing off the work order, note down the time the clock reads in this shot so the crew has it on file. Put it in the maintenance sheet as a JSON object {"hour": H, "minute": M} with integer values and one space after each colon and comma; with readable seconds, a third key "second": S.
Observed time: {"hour": 6, "minute": 22}
